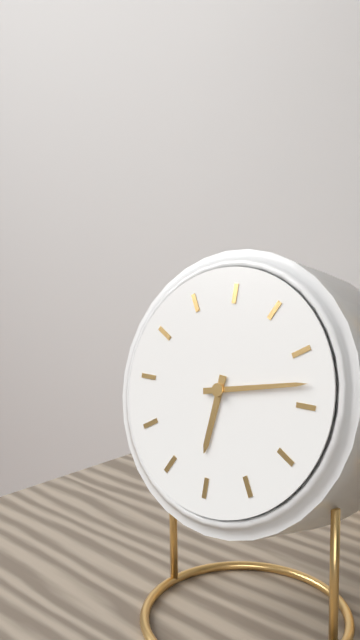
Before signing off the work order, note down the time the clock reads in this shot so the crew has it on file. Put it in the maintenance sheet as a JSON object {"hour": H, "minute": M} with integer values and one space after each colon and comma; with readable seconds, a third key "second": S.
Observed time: {"hour": 6, "minute": 13}
